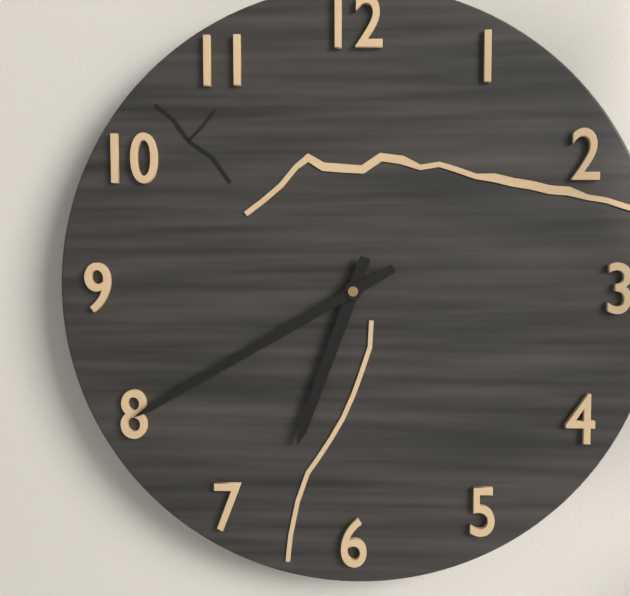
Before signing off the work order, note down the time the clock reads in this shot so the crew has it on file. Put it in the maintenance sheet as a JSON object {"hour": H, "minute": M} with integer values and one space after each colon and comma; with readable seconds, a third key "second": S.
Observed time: {"hour": 6, "minute": 40}
